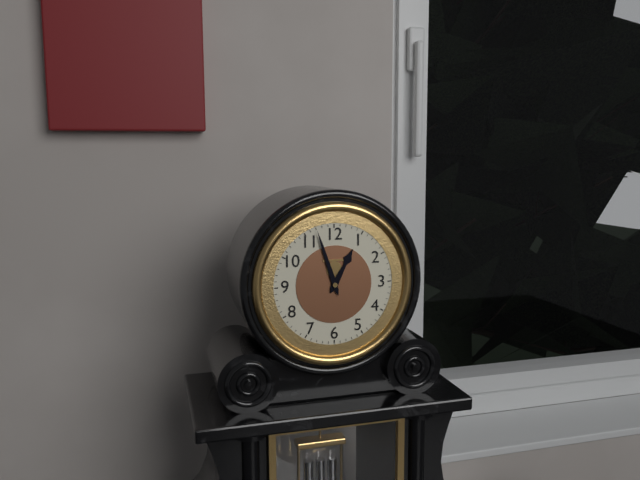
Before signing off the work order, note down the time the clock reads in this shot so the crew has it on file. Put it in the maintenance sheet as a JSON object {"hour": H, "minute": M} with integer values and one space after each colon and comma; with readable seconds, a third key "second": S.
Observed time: {"hour": 12, "minute": 57}
